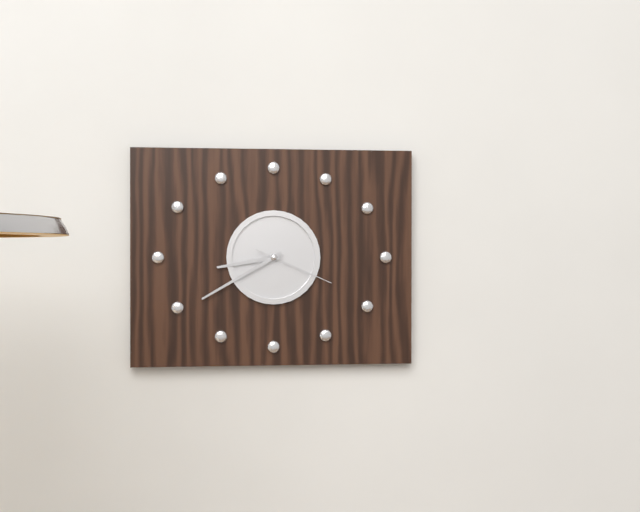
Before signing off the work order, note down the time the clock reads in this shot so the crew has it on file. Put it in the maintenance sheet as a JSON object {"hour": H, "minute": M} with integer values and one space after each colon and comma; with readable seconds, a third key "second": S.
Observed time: {"hour": 8, "minute": 40, "second": 19}
